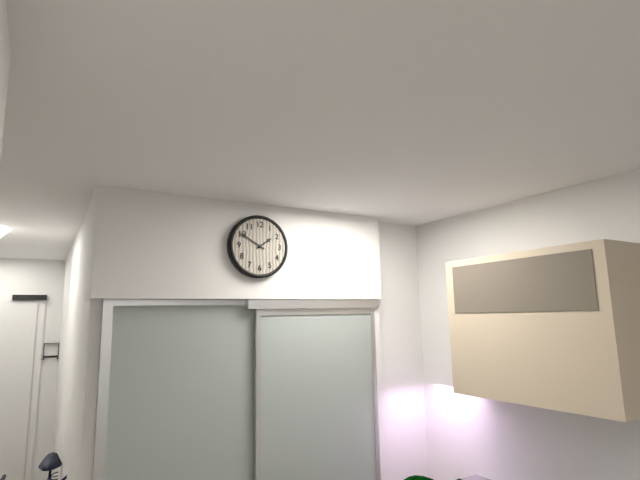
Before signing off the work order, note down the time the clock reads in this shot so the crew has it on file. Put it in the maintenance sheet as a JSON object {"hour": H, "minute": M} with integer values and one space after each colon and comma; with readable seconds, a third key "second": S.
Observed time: {"hour": 1, "minute": 50}
